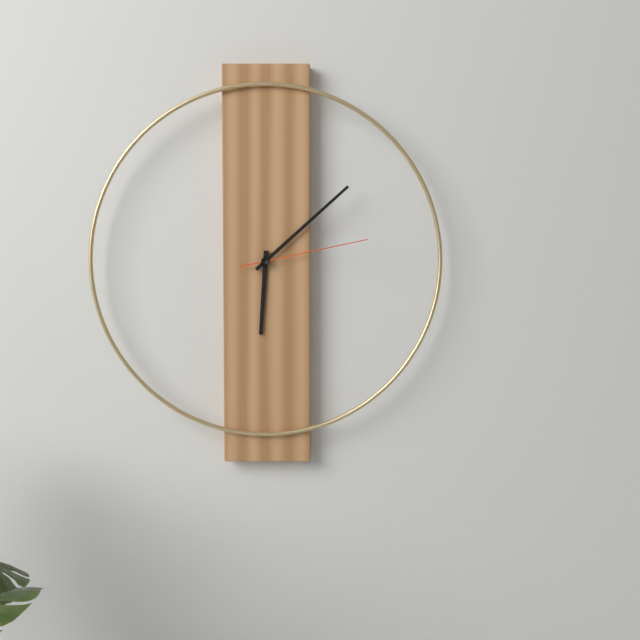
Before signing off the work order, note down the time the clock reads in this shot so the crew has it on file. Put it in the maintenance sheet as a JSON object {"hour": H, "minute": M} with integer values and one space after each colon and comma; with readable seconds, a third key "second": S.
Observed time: {"hour": 6, "minute": 8, "second": 13}
